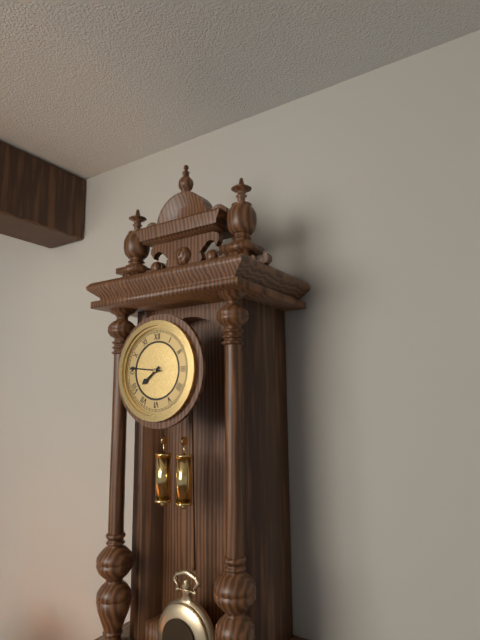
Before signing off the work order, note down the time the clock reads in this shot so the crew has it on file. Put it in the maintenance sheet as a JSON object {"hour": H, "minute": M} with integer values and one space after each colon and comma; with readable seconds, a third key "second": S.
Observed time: {"hour": 7, "minute": 46}
